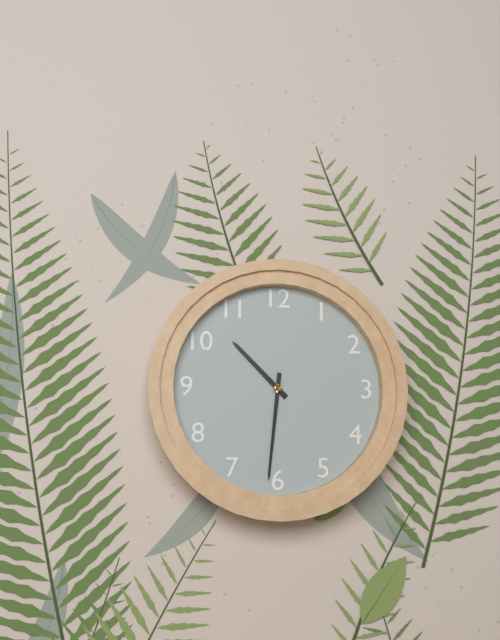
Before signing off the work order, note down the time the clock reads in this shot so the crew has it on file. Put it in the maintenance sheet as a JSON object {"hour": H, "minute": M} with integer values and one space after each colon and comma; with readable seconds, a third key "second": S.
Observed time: {"hour": 10, "minute": 31}
